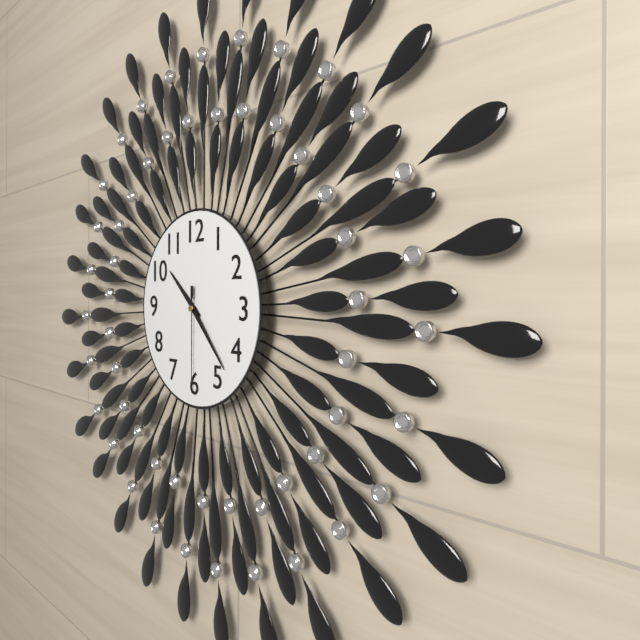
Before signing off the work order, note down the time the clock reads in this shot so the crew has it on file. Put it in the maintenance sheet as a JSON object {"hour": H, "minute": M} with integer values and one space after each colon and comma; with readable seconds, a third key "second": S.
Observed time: {"hour": 10, "minute": 23, "second": 30}
